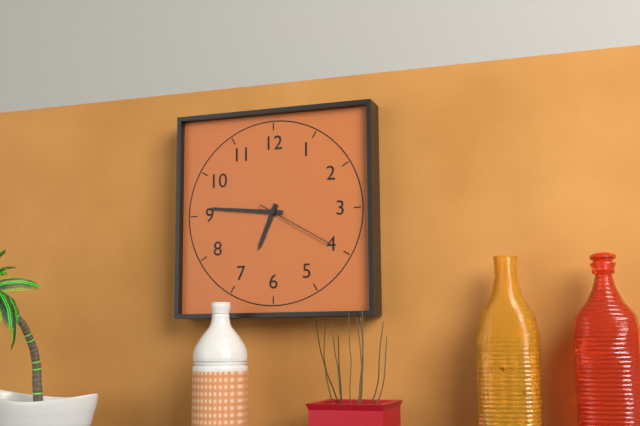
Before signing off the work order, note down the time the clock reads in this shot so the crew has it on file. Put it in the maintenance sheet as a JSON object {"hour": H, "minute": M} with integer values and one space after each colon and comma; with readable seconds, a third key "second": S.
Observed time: {"hour": 6, "minute": 46, "second": 20}
